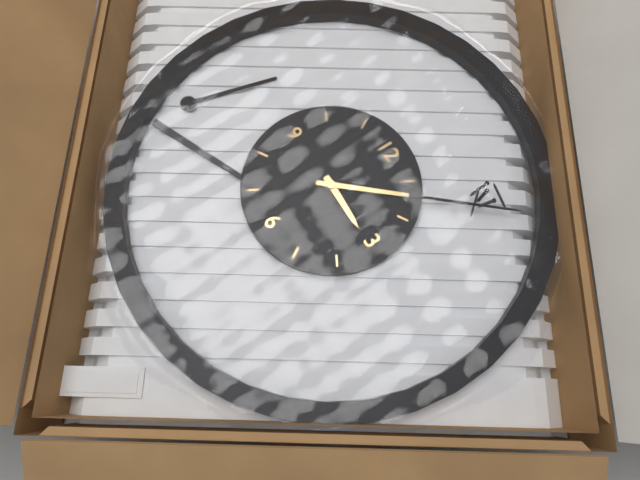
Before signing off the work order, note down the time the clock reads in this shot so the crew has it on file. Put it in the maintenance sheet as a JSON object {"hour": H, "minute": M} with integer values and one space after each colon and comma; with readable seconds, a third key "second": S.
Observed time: {"hour": 3, "minute": 7}
